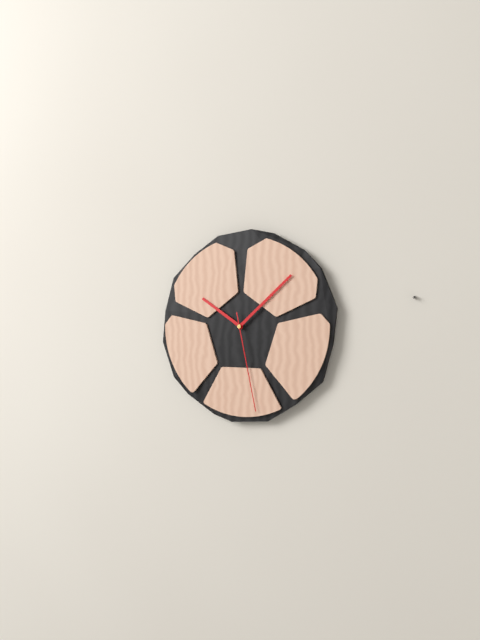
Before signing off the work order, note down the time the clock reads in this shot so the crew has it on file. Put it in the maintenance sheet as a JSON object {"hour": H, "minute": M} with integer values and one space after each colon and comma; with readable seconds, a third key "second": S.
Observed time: {"hour": 10, "minute": 8, "second": 28}
